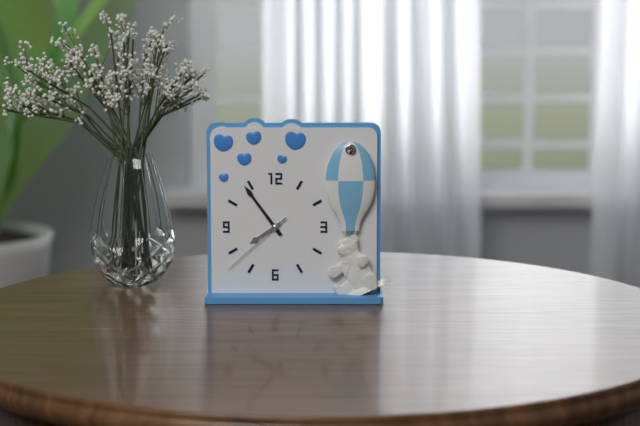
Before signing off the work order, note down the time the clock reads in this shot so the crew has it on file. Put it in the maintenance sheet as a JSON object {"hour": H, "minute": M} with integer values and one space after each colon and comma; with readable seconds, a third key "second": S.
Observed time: {"hour": 7, "minute": 54, "second": 38}
